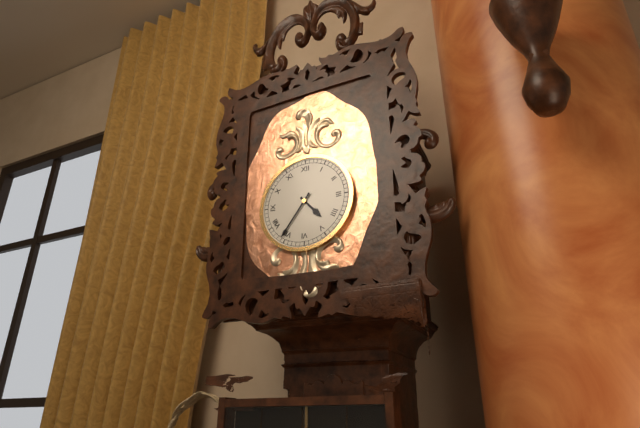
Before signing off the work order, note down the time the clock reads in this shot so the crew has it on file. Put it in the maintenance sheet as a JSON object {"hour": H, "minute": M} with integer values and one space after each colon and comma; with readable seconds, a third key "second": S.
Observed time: {"hour": 4, "minute": 36}
